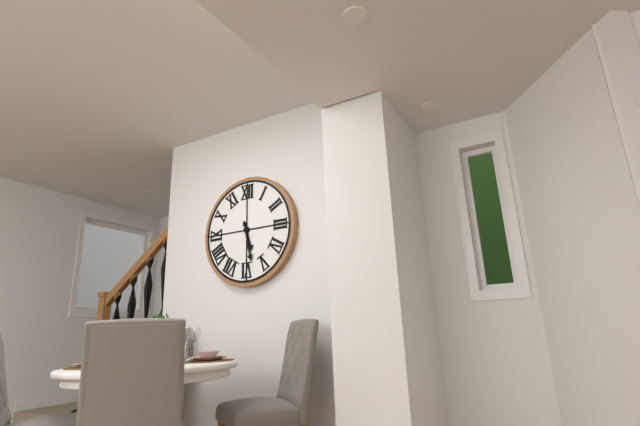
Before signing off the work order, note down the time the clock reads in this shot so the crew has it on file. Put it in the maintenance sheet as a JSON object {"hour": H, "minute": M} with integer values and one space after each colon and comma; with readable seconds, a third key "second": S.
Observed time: {"hour": 5, "minute": 28}
